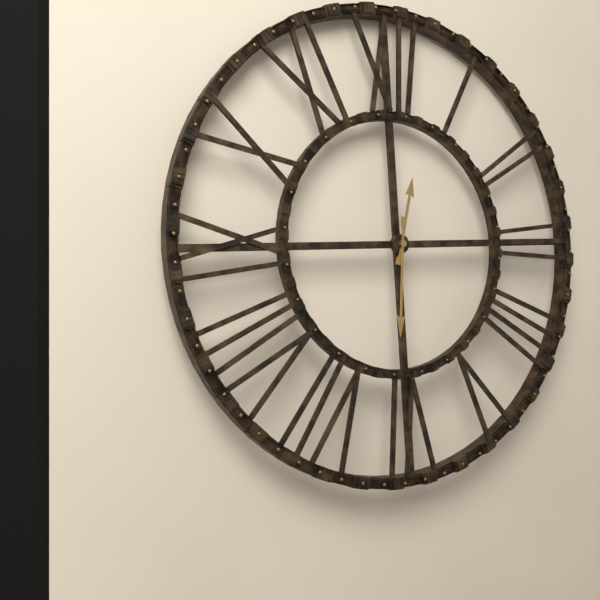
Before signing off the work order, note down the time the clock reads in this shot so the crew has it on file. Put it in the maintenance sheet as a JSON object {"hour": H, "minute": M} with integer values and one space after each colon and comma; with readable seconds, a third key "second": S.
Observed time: {"hour": 12, "minute": 31}
